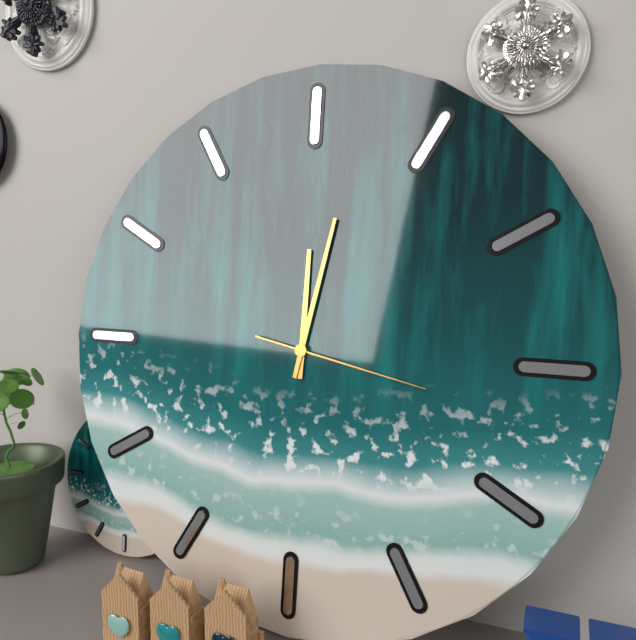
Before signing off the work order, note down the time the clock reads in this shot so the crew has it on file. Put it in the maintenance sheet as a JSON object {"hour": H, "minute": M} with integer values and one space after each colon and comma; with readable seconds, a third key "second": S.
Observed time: {"hour": 12, "minute": 2, "second": 17}
